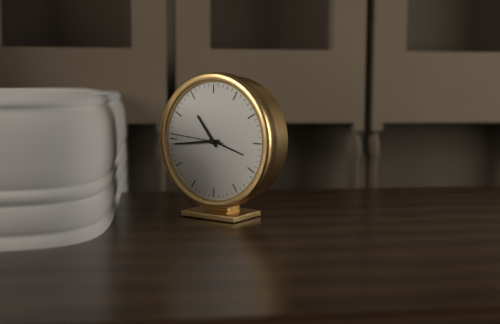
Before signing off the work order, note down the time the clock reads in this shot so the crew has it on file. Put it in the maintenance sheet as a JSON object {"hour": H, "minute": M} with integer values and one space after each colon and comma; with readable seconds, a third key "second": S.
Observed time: {"hour": 10, "minute": 44, "second": 46}
